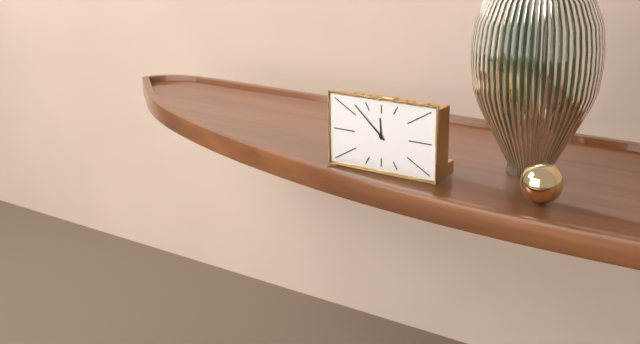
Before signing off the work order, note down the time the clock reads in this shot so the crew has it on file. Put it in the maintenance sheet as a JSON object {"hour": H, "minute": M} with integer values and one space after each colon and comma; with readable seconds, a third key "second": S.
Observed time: {"hour": 11, "minute": 52}
